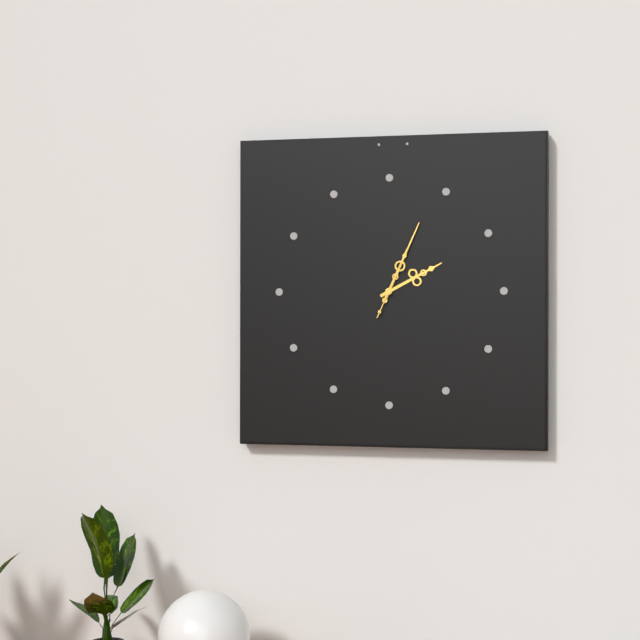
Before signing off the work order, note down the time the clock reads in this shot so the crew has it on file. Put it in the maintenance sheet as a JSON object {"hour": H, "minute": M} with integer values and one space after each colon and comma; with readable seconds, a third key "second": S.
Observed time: {"hour": 2, "minute": 4, "second": 4}
